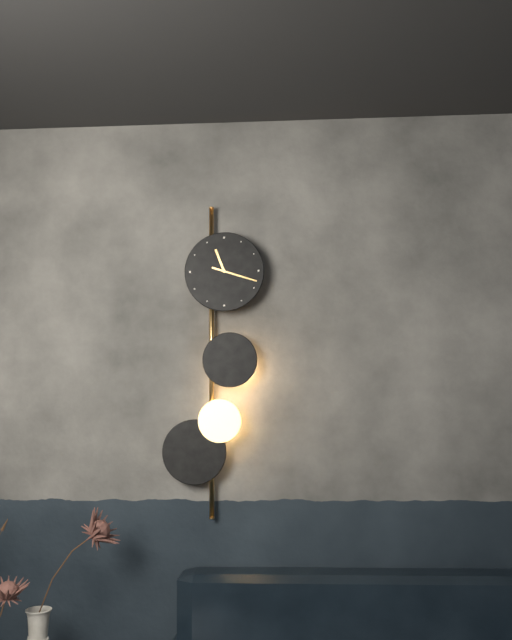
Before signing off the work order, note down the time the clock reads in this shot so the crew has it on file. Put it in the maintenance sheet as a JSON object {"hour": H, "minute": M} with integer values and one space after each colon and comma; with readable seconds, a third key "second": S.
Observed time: {"hour": 11, "minute": 18}
